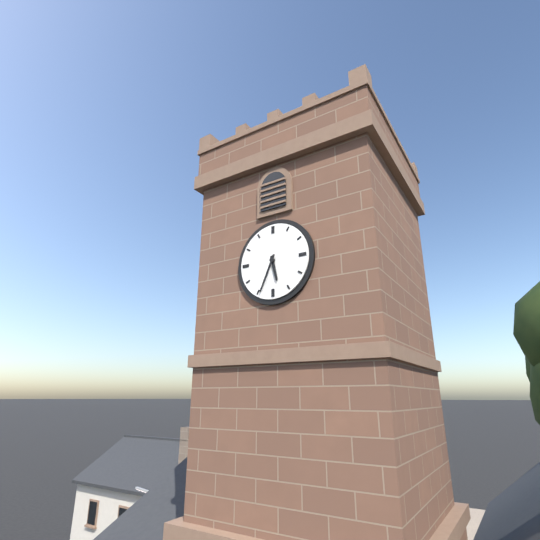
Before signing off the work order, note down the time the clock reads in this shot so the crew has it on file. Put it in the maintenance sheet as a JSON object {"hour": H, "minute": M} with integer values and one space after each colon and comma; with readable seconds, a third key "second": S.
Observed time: {"hour": 5, "minute": 34}
